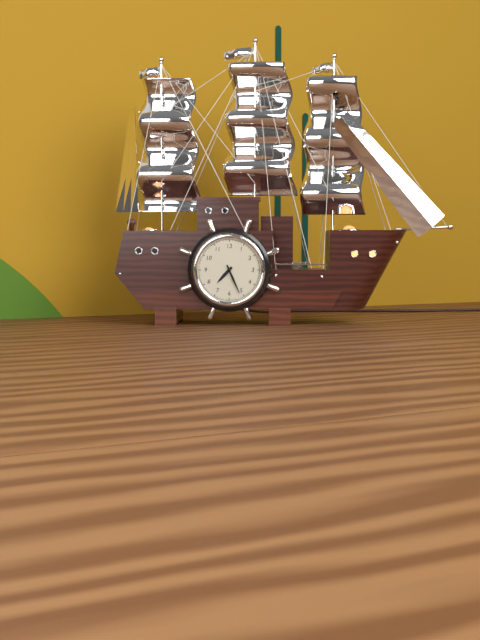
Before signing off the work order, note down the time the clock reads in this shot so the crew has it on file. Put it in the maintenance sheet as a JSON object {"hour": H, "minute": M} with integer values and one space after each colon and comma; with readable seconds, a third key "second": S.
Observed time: {"hour": 7, "minute": 26}
